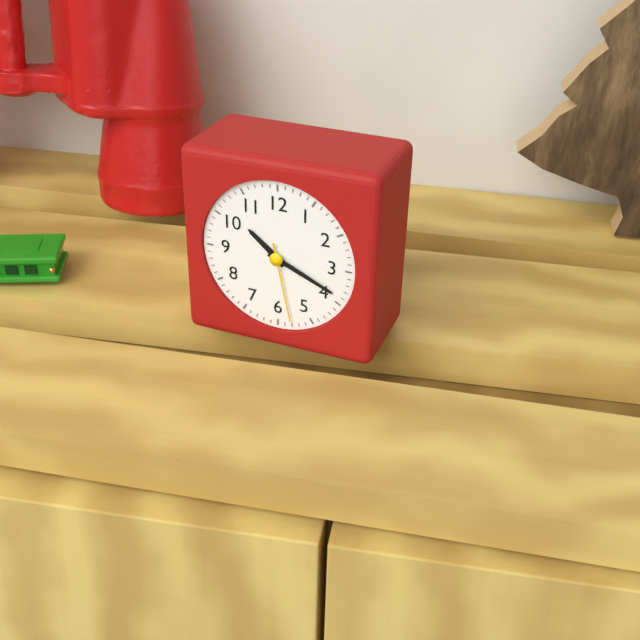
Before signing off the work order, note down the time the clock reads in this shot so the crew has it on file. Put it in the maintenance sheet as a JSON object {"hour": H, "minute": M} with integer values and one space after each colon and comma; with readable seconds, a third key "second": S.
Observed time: {"hour": 10, "minute": 19, "second": 28}
